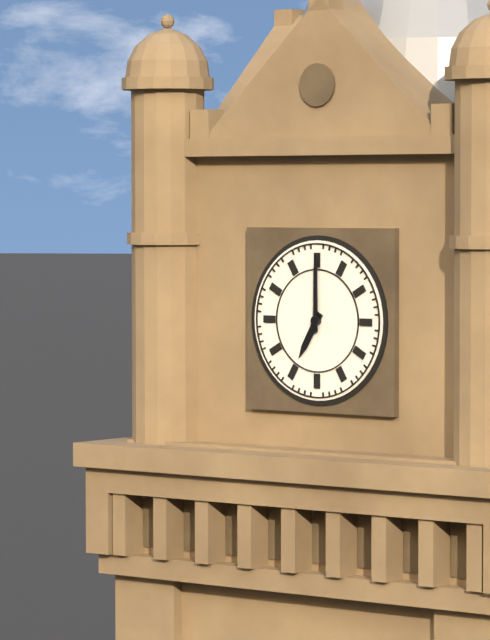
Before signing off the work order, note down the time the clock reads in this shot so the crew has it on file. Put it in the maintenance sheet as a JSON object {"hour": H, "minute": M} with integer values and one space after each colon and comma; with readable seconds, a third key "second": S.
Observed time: {"hour": 7, "minute": 0}
